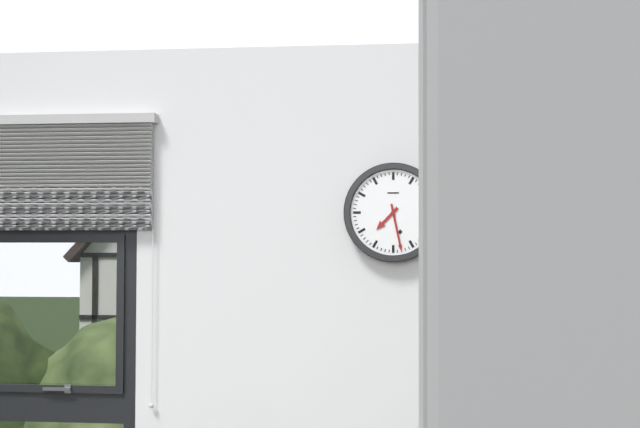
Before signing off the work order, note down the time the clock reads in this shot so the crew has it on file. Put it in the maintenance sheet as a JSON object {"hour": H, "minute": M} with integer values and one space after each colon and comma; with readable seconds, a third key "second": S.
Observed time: {"hour": 7, "minute": 28}
